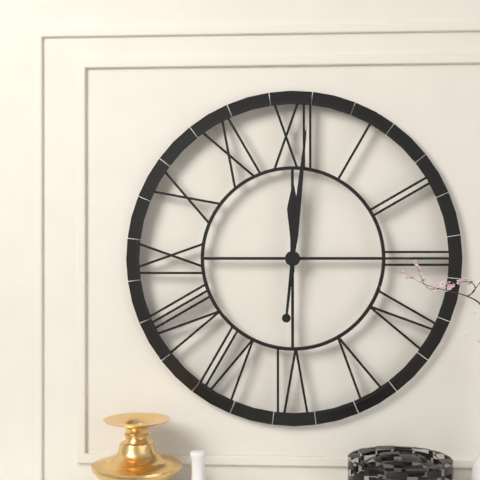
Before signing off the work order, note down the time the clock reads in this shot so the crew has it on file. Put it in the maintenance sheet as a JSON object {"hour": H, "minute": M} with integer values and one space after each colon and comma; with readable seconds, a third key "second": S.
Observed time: {"hour": 12, "minute": 1}
